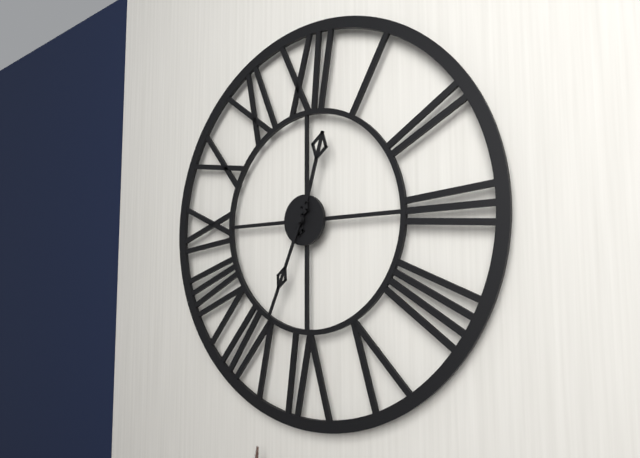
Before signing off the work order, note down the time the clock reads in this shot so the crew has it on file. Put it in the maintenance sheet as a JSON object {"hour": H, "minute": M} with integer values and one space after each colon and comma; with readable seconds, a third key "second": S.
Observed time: {"hour": 12, "minute": 34}
